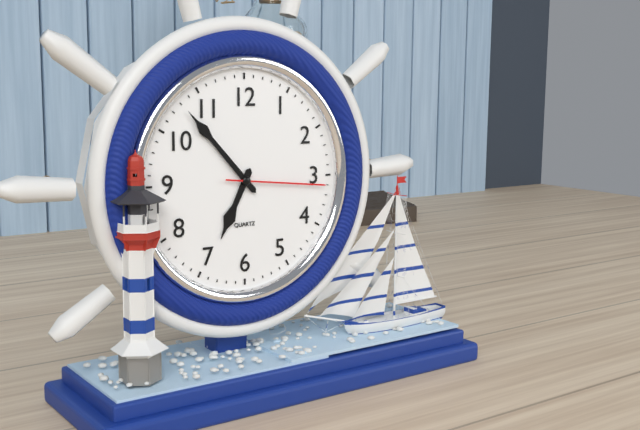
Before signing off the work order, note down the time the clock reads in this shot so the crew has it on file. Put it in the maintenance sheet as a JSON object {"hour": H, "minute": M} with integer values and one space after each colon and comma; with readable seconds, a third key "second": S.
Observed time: {"hour": 6, "minute": 53, "second": 16}
